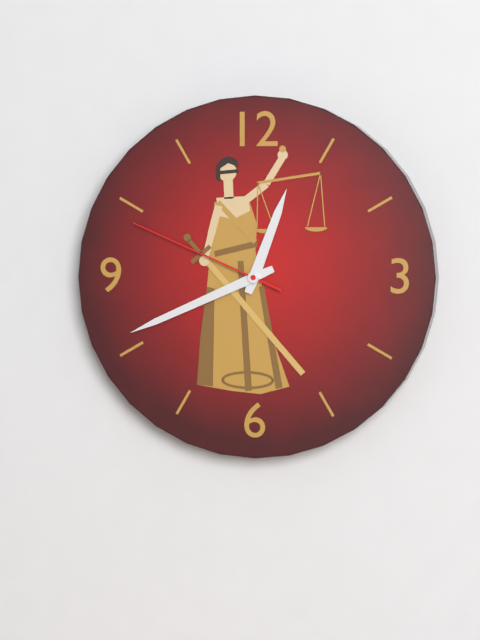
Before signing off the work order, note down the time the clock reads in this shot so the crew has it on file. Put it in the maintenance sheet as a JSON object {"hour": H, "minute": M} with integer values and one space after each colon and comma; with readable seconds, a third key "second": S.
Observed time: {"hour": 12, "minute": 41, "second": 49}
